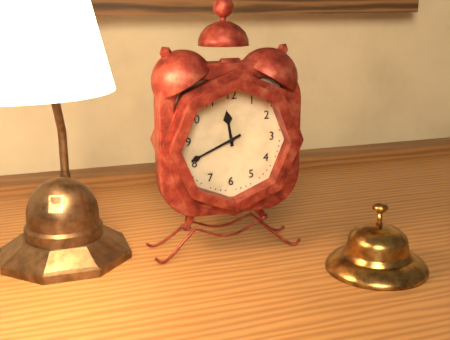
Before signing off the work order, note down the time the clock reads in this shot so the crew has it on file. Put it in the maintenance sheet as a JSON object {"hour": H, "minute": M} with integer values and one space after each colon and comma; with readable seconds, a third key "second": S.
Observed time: {"hour": 11, "minute": 41}
